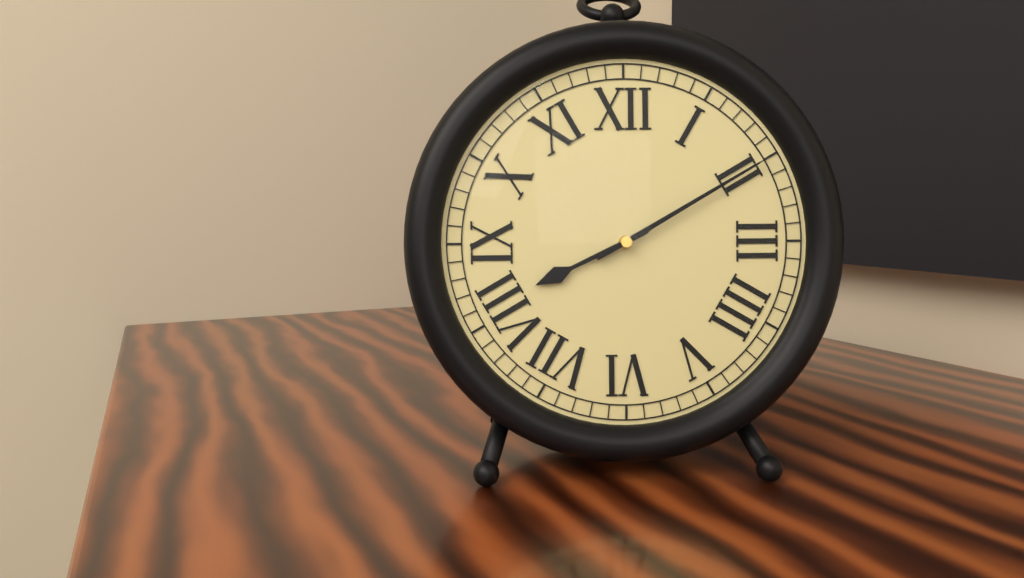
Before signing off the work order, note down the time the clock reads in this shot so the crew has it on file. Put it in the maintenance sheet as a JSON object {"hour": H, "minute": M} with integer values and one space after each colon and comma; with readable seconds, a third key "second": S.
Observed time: {"hour": 8, "minute": 10}
